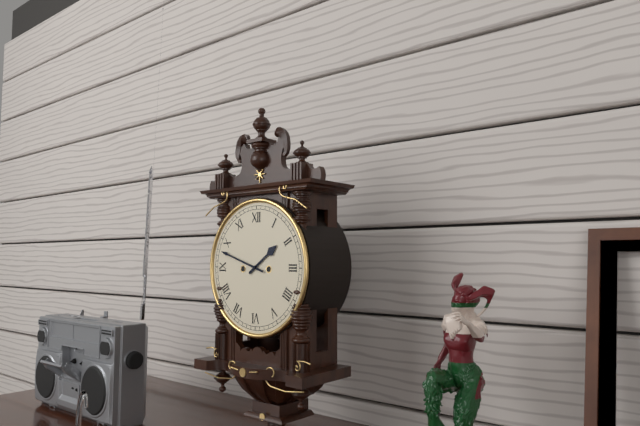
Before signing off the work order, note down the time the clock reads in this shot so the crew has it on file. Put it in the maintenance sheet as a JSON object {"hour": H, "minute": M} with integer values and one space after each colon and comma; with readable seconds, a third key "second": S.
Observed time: {"hour": 1, "minute": 48}
